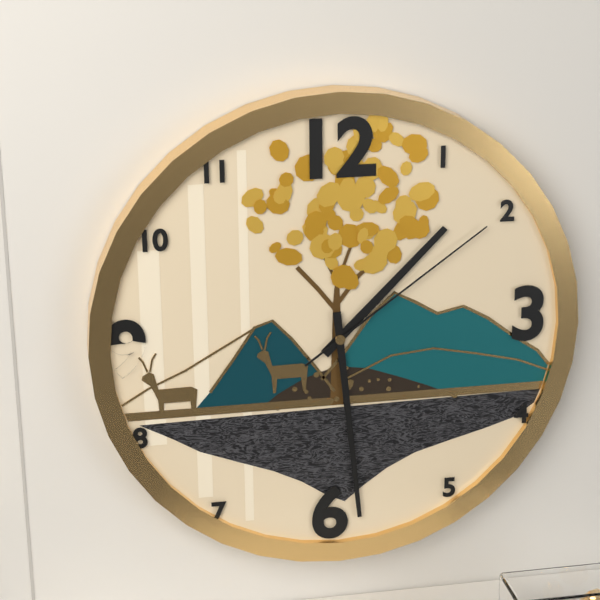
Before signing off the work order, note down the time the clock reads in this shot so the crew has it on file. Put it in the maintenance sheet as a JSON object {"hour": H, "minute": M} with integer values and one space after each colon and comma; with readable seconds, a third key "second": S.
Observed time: {"hour": 1, "minute": 29, "second": 9}
